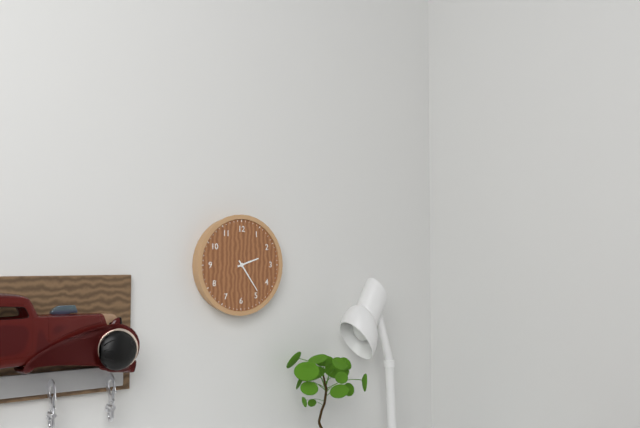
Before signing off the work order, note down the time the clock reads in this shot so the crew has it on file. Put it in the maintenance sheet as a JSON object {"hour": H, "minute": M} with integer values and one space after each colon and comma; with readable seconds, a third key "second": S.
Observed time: {"hour": 2, "minute": 24}
